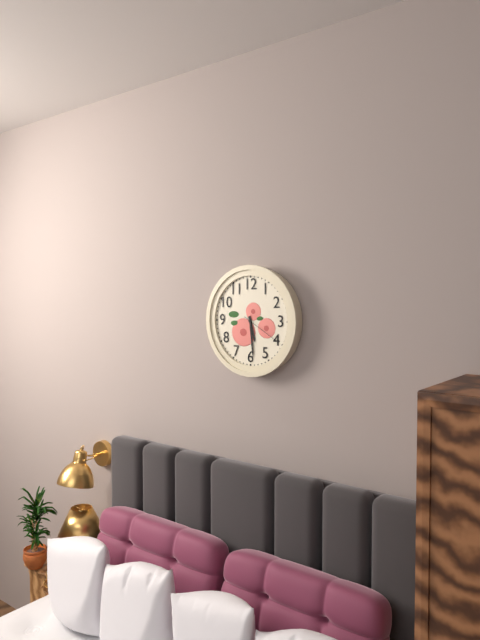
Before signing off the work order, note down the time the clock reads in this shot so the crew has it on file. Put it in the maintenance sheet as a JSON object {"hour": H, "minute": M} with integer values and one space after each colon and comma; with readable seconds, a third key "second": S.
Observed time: {"hour": 5, "minute": 29}
